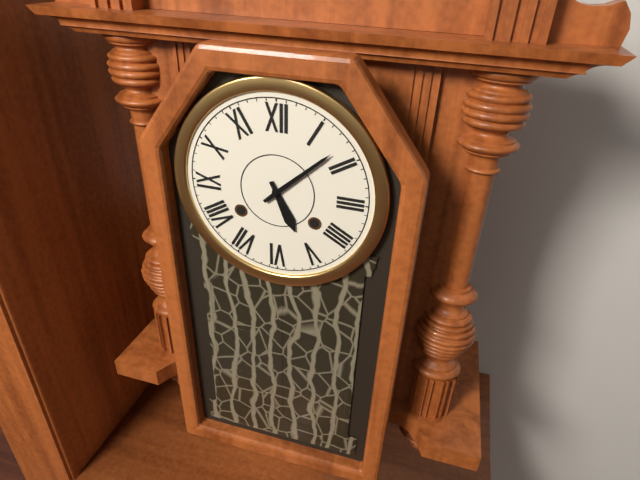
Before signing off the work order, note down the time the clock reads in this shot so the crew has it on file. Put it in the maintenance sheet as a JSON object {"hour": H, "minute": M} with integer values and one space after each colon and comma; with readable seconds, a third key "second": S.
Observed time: {"hour": 5, "minute": 8}
